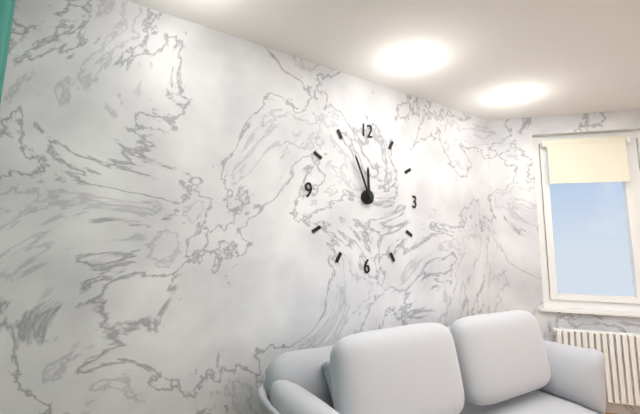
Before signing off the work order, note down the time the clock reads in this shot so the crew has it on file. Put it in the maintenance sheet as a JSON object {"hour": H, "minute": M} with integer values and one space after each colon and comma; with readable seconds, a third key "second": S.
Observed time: {"hour": 11, "minute": 56}
